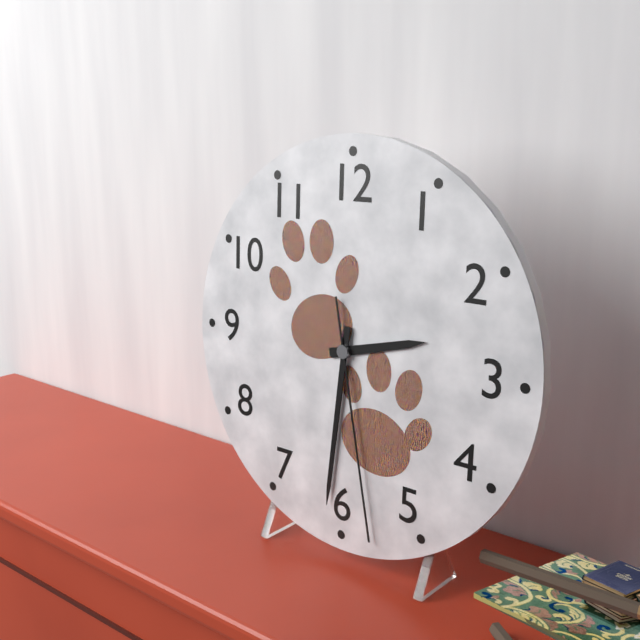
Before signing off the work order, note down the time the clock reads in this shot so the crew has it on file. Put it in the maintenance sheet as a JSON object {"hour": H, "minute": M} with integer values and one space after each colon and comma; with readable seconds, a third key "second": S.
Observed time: {"hour": 2, "minute": 31, "second": 28}
